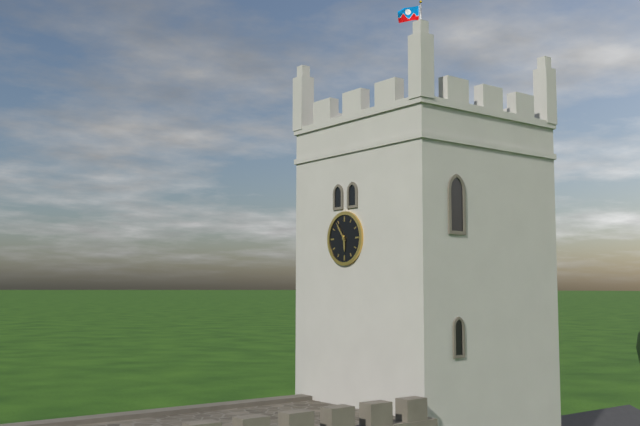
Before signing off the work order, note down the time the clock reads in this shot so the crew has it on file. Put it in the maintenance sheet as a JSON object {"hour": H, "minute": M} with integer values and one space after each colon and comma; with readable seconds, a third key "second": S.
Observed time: {"hour": 5, "minute": 54}
